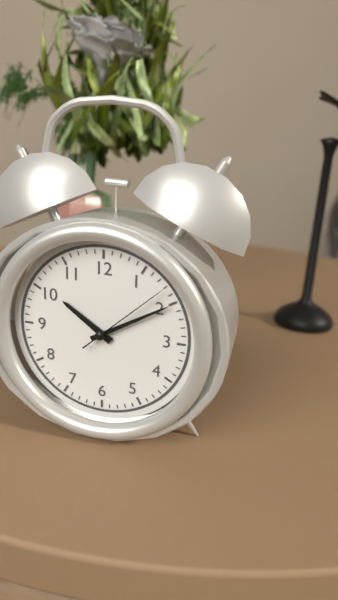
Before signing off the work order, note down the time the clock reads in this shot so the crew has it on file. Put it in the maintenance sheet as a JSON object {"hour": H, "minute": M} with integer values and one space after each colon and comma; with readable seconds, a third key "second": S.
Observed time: {"hour": 10, "minute": 10, "second": 8}
